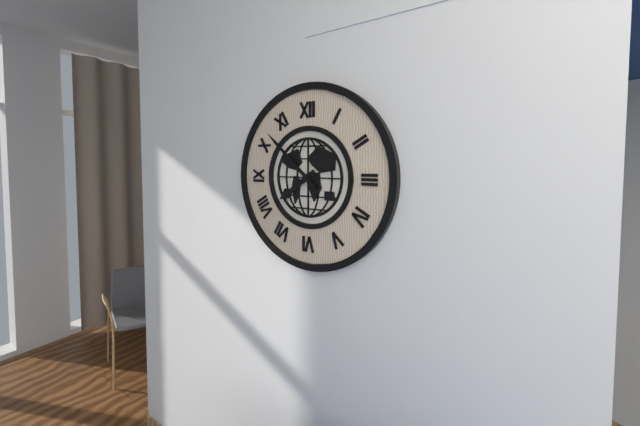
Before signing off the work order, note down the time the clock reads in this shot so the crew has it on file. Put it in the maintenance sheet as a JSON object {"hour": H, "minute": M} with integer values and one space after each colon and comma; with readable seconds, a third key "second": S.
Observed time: {"hour": 7, "minute": 52}
